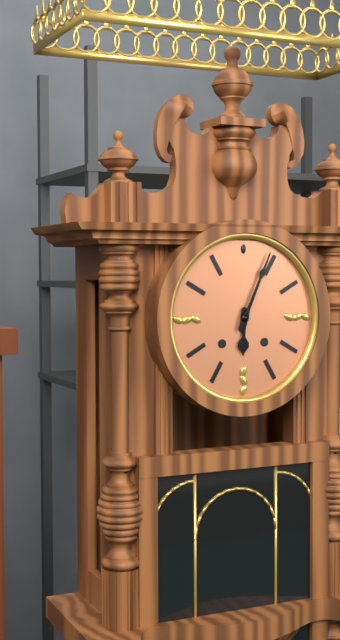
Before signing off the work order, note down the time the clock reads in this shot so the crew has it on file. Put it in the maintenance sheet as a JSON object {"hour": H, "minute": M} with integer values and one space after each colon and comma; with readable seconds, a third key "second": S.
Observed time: {"hour": 6, "minute": 4}
